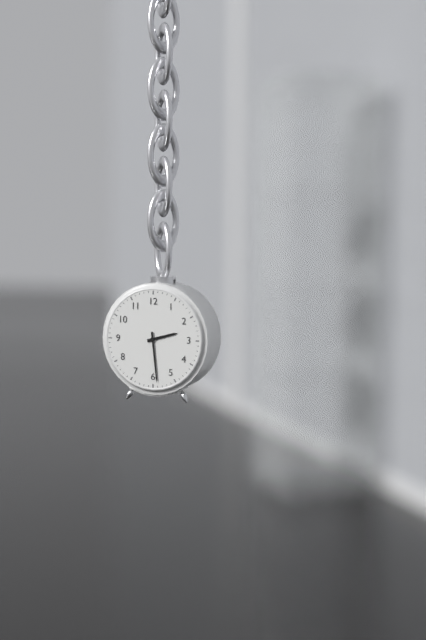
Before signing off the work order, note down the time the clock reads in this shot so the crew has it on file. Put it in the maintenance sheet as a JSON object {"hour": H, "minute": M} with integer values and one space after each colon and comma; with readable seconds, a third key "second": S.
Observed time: {"hour": 2, "minute": 29}
